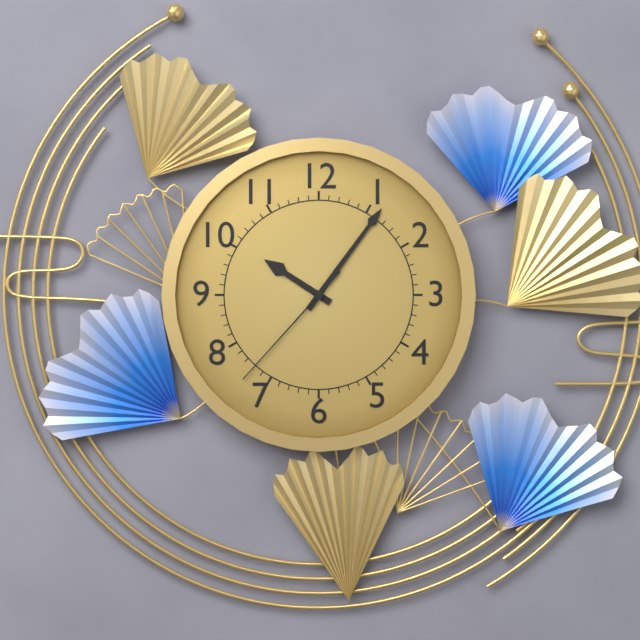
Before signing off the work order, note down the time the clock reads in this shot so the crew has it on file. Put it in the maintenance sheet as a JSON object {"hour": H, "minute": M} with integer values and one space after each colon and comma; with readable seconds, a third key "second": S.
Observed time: {"hour": 10, "minute": 6, "second": 37}
